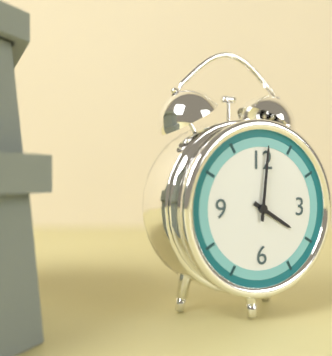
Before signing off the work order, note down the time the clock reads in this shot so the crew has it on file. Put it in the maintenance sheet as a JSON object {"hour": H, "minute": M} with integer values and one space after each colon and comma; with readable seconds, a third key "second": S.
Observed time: {"hour": 4, "minute": 1}
